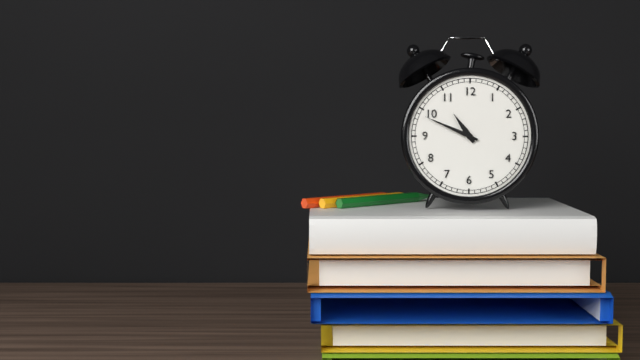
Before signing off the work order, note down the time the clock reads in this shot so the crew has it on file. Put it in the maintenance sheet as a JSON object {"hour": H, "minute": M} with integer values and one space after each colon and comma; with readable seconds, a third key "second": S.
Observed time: {"hour": 10, "minute": 49}
